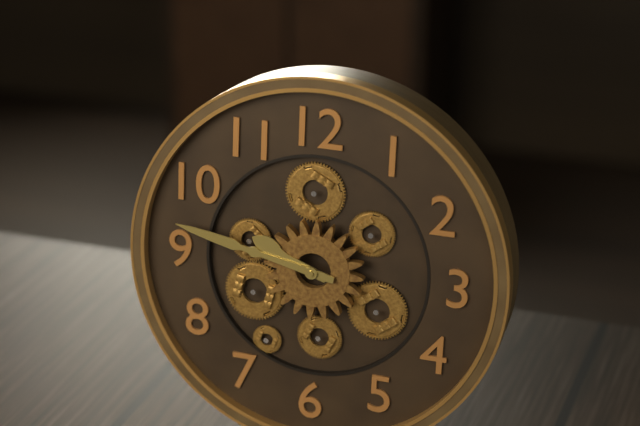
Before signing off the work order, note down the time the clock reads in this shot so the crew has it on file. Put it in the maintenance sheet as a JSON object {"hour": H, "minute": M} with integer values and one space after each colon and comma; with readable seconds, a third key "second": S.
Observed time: {"hour": 9, "minute": 47}
